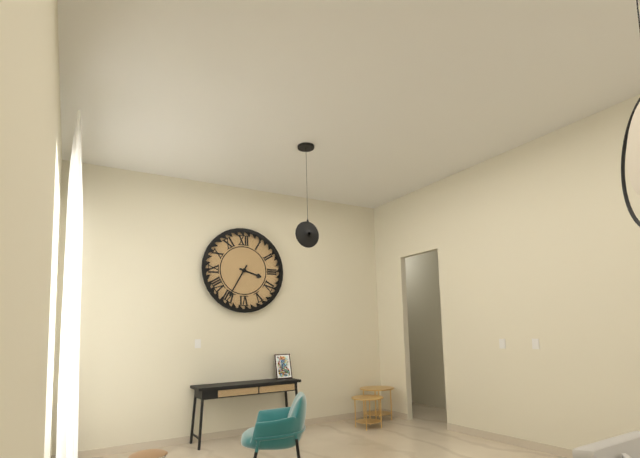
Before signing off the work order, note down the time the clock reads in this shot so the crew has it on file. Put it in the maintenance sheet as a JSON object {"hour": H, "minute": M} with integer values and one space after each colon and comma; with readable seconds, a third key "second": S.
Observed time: {"hour": 3, "minute": 35}
